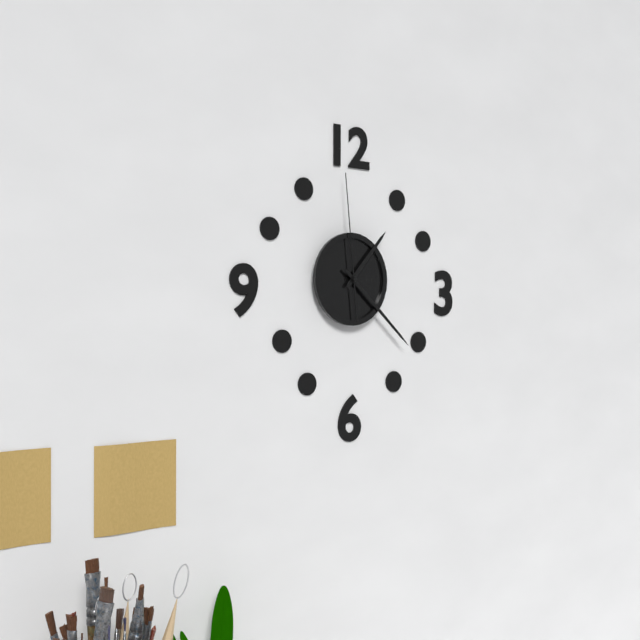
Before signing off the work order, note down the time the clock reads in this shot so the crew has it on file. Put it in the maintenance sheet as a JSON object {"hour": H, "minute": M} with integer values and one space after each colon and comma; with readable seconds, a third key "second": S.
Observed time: {"hour": 1, "minute": 22, "second": 59}
